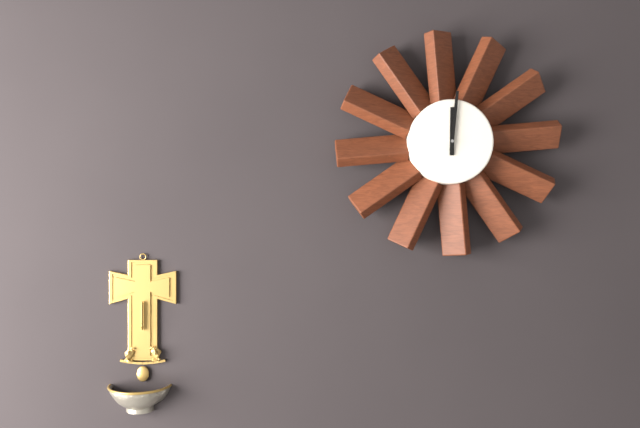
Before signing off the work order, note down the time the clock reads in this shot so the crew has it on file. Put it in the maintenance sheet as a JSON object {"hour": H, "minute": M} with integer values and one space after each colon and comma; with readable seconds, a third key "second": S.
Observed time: {"hour": 12, "minute": 1}
